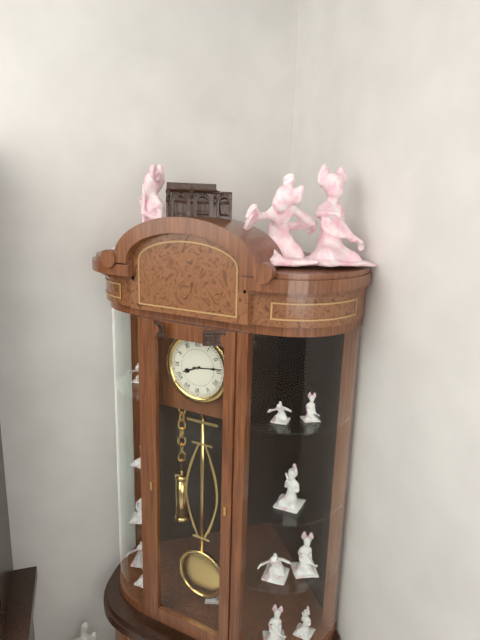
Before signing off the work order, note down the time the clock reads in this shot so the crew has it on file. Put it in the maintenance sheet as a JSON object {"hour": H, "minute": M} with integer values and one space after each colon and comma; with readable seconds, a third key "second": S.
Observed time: {"hour": 8, "minute": 14}
